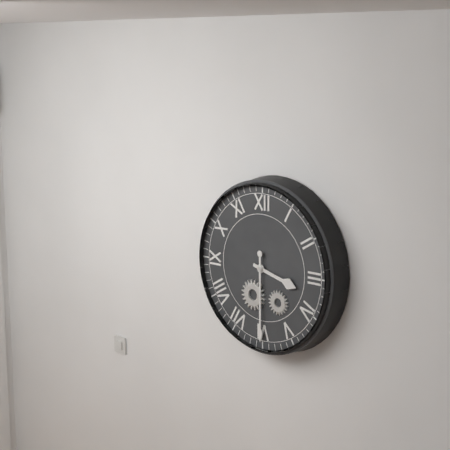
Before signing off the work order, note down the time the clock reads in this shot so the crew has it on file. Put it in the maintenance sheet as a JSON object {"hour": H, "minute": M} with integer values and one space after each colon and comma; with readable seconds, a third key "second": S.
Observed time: {"hour": 3, "minute": 30}
